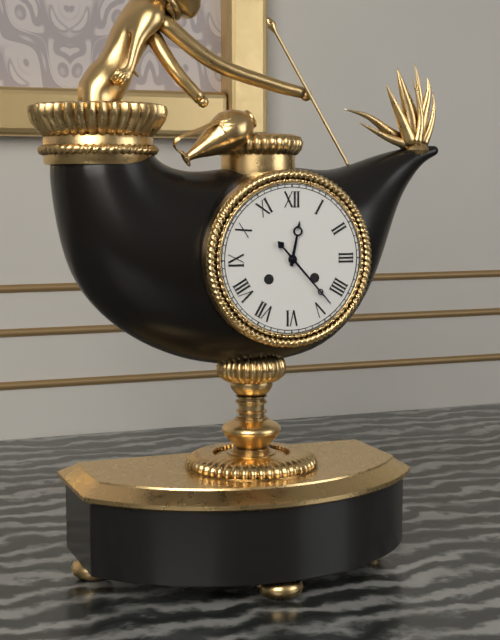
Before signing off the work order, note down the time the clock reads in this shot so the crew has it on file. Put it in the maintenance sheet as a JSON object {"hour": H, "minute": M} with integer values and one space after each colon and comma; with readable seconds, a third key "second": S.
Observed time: {"hour": 12, "minute": 23}
